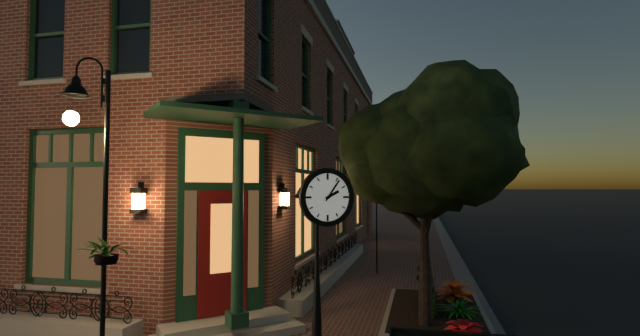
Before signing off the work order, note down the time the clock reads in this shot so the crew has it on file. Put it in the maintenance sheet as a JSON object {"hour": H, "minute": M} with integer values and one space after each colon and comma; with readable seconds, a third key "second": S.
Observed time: {"hour": 2, "minute": 6}
